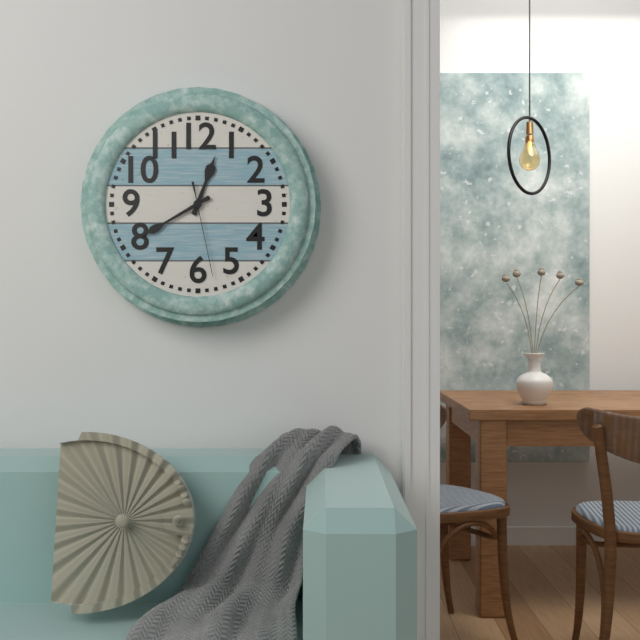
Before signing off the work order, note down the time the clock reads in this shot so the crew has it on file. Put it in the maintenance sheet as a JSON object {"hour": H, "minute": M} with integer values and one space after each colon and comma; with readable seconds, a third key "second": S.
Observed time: {"hour": 12, "minute": 40, "second": 28}
